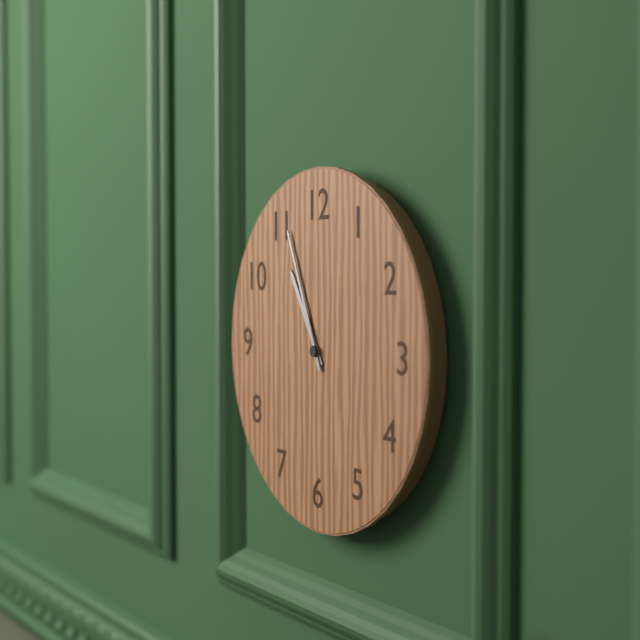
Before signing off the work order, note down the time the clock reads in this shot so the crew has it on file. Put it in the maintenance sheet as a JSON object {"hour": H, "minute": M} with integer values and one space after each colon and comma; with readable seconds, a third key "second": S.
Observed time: {"hour": 10, "minute": 56}
